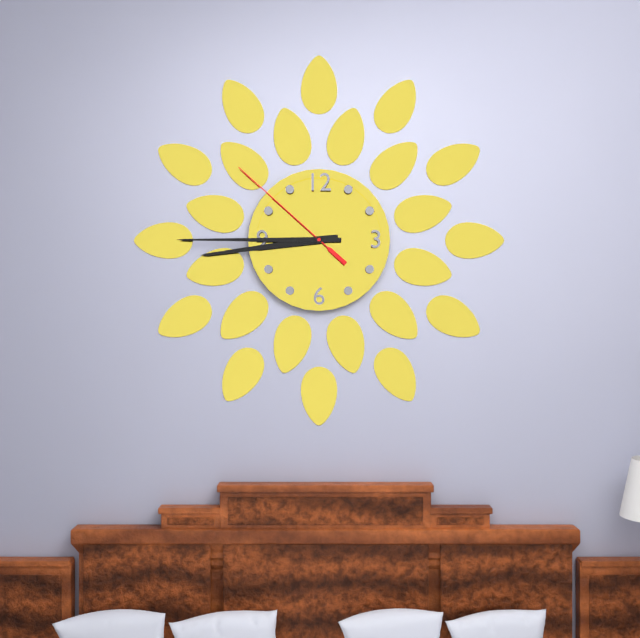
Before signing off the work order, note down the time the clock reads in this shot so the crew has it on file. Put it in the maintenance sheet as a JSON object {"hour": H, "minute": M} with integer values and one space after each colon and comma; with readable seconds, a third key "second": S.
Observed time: {"hour": 8, "minute": 45, "second": 52}
